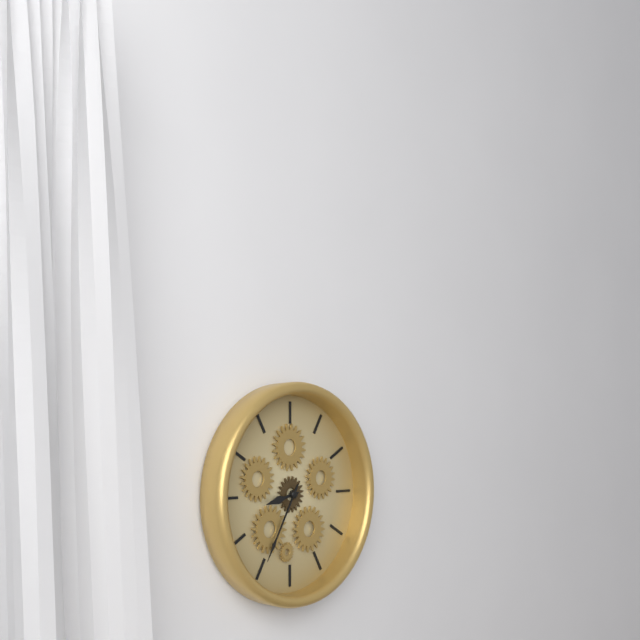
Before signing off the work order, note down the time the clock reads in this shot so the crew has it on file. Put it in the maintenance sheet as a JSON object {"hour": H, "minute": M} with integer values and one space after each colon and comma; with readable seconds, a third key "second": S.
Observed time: {"hour": 8, "minute": 35}
